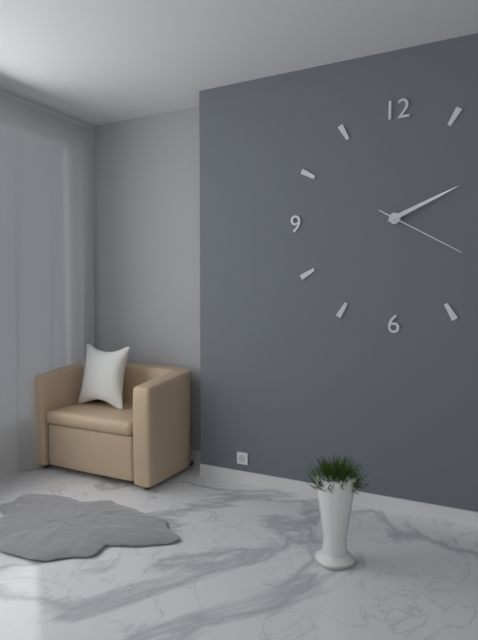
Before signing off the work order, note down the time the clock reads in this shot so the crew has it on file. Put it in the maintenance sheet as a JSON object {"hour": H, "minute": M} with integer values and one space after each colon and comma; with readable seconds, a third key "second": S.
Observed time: {"hour": 2, "minute": 11, "second": 20}
